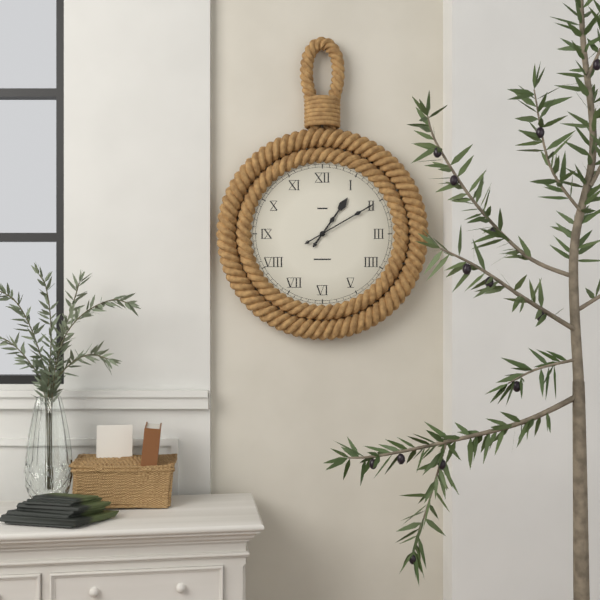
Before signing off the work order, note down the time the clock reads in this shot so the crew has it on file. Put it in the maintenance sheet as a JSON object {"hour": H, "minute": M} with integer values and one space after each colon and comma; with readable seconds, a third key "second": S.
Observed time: {"hour": 1, "minute": 10}
